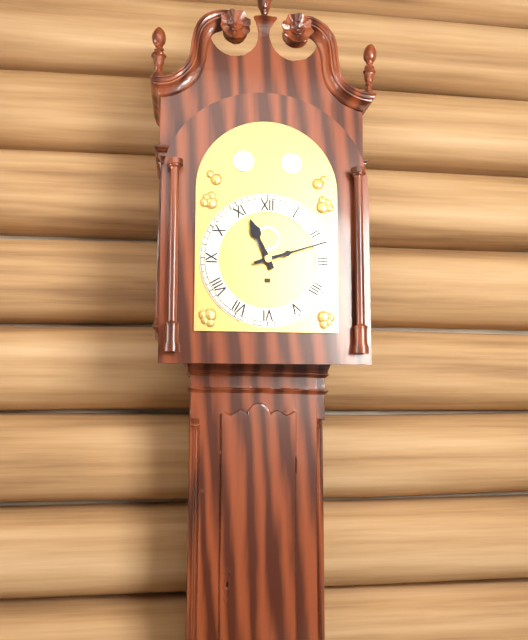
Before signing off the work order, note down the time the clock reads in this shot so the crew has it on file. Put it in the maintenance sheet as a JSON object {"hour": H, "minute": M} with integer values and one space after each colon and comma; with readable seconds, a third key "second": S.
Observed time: {"hour": 11, "minute": 12}
